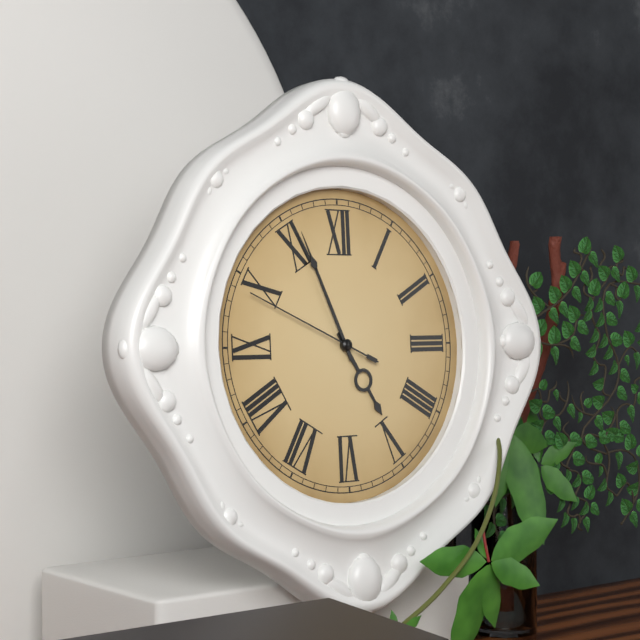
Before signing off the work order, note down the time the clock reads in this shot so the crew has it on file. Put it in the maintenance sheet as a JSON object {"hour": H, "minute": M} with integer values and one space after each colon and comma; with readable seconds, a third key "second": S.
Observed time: {"hour": 4, "minute": 56, "second": 49}
